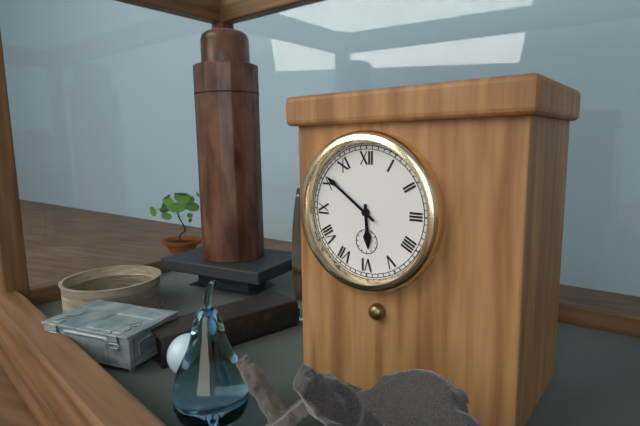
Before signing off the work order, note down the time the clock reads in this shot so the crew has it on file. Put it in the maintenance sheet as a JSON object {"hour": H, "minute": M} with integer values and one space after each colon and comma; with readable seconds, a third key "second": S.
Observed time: {"hour": 5, "minute": 51}
